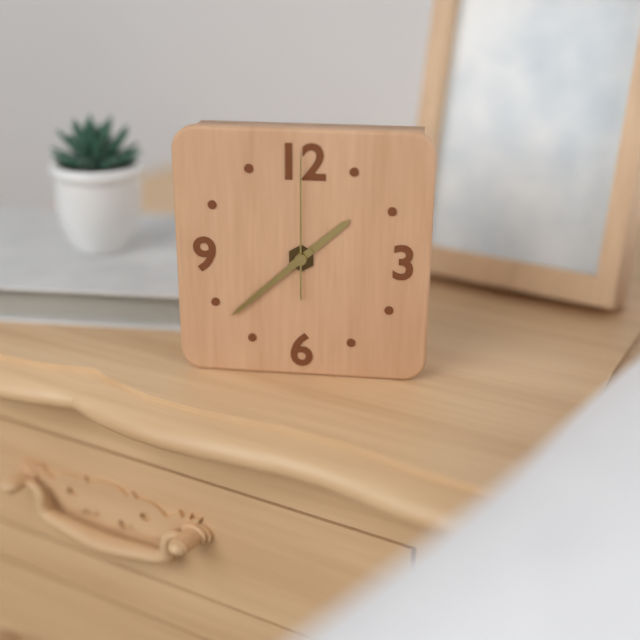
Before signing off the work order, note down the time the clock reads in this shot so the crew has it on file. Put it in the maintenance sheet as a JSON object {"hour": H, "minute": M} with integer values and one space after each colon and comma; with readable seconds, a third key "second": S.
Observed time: {"hour": 1, "minute": 38, "second": 0}
